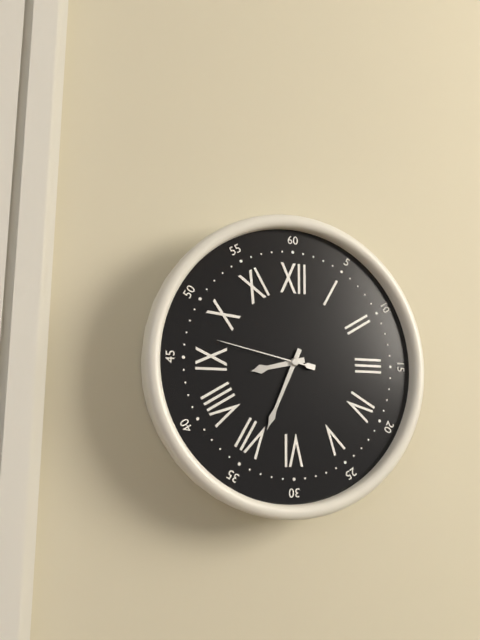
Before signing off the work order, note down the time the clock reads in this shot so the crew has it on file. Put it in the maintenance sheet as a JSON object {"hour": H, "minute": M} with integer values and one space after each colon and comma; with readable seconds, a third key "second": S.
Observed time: {"hour": 8, "minute": 34, "second": 47}
